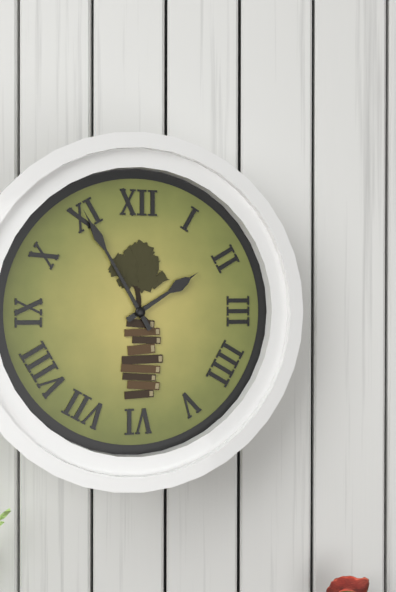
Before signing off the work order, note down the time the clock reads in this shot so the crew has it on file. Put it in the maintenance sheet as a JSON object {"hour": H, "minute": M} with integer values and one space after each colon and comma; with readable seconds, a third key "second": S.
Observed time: {"hour": 1, "minute": 55}
